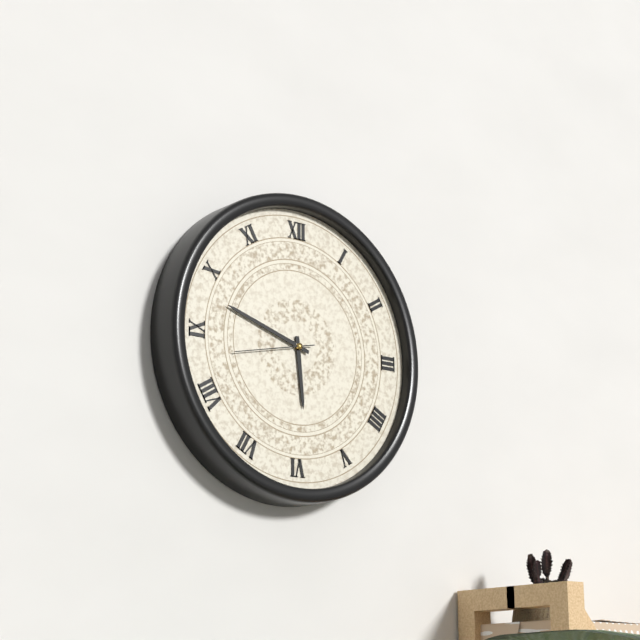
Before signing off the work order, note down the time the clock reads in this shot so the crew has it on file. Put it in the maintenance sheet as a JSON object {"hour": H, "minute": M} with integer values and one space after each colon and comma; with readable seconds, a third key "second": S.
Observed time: {"hour": 5, "minute": 48, "second": 43}
